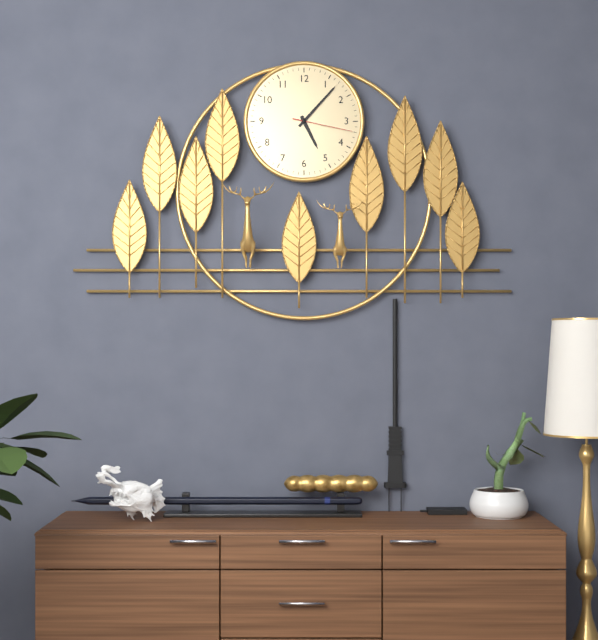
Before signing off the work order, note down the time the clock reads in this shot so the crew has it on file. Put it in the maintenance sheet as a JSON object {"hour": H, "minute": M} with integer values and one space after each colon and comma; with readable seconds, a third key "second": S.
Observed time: {"hour": 5, "minute": 7, "second": 17}
